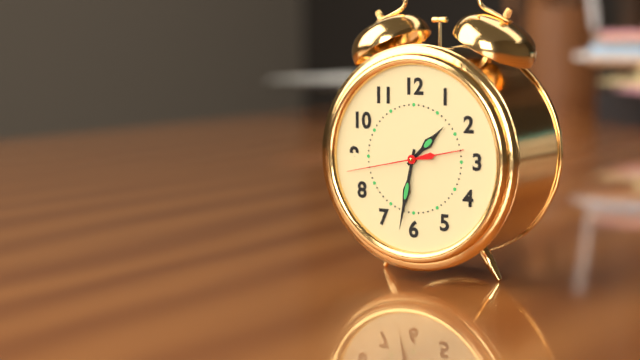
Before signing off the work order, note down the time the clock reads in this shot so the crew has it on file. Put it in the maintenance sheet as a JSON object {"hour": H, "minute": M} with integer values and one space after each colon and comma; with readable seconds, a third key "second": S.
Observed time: {"hour": 1, "minute": 32, "second": 43}
